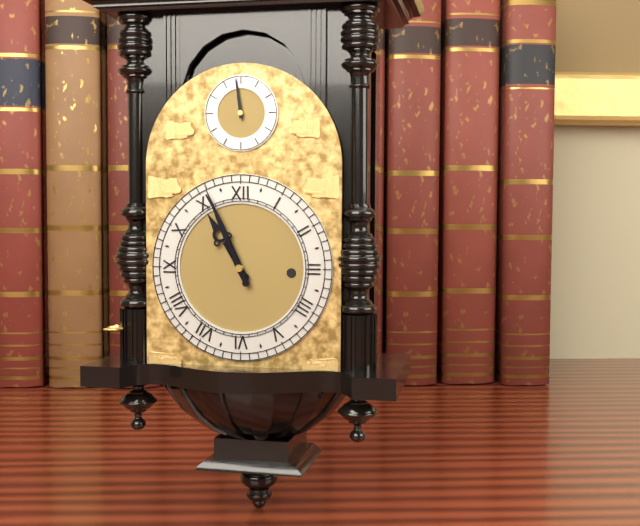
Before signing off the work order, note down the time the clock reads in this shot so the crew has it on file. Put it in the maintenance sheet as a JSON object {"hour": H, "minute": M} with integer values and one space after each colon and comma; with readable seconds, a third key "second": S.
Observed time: {"hour": 10, "minute": 56}
